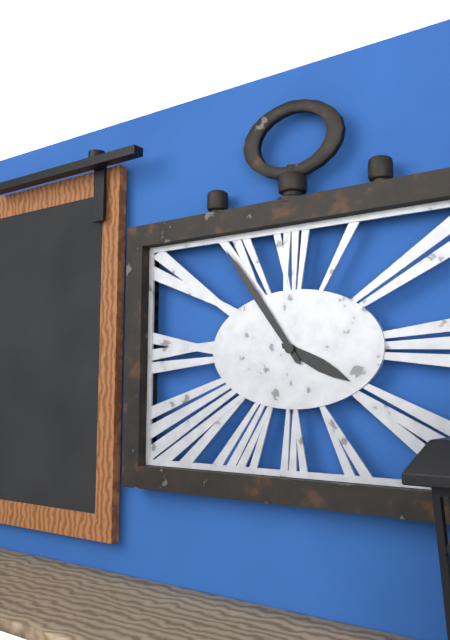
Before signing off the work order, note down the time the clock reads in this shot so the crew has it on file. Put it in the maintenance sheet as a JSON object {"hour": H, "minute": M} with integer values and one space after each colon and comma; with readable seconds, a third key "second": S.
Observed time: {"hour": 3, "minute": 54}
